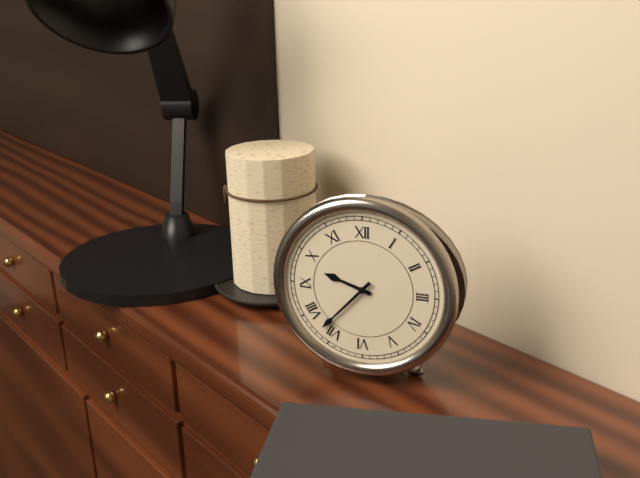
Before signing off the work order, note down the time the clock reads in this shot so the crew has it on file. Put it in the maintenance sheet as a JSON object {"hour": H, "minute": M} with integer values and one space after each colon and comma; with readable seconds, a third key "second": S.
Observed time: {"hour": 9, "minute": 37}
